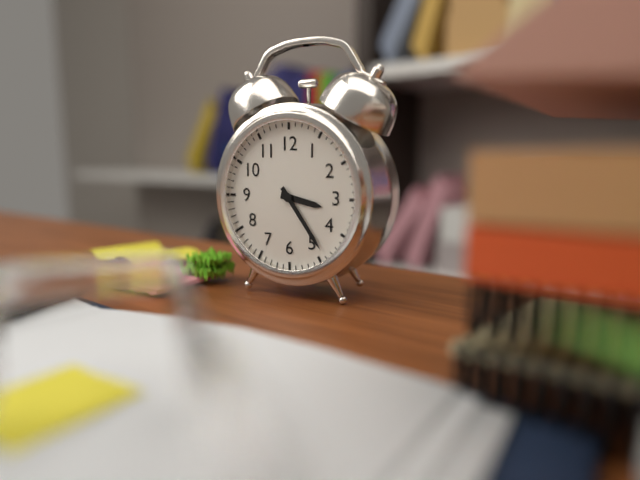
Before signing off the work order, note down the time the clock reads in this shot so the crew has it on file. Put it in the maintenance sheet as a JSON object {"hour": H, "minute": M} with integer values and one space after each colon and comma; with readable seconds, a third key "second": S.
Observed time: {"hour": 3, "minute": 24}
